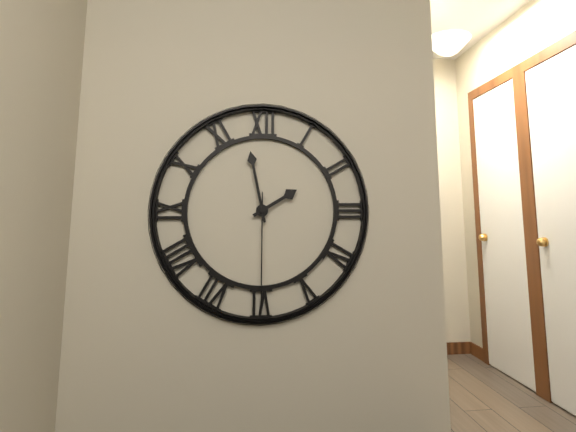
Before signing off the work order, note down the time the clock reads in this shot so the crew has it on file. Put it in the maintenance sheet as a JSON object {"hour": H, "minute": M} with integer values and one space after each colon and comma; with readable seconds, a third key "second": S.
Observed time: {"hour": 1, "minute": 58, "second": 30}
